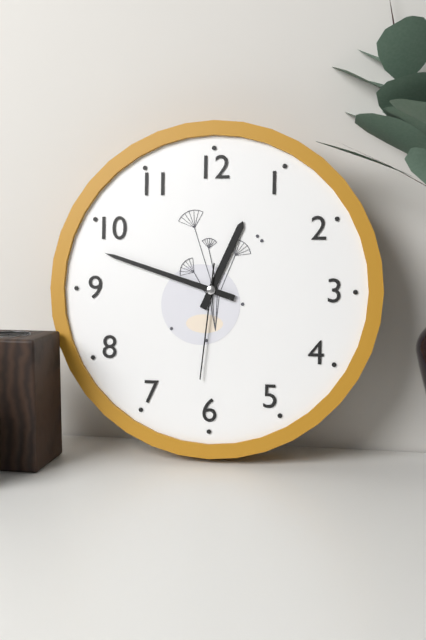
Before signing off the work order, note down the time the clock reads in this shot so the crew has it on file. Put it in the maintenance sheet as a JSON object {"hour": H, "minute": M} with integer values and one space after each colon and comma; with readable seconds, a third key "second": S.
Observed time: {"hour": 12, "minute": 48, "second": 31}
